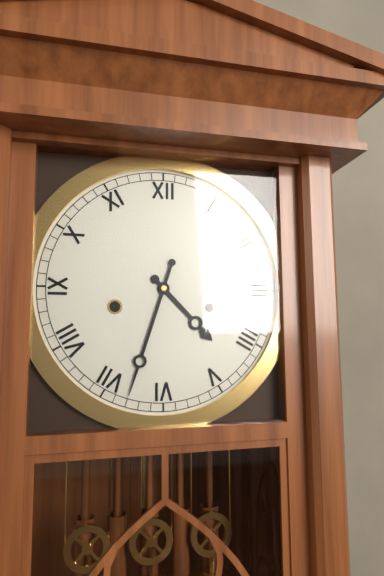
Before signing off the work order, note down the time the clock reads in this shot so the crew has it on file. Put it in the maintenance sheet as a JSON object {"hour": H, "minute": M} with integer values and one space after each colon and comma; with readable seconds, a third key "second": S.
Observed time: {"hour": 4, "minute": 33}
